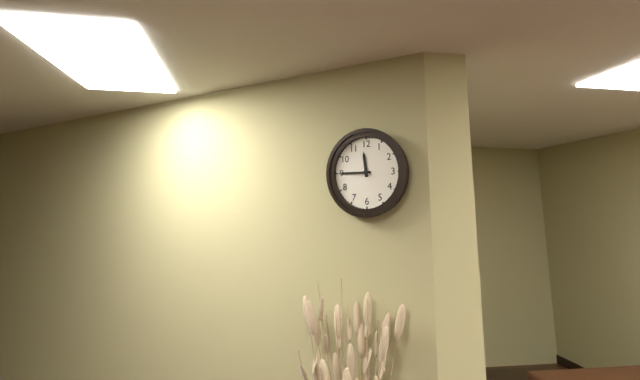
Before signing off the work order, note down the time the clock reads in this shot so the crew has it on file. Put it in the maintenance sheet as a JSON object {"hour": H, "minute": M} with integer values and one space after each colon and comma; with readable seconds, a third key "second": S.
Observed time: {"hour": 11, "minute": 45}
